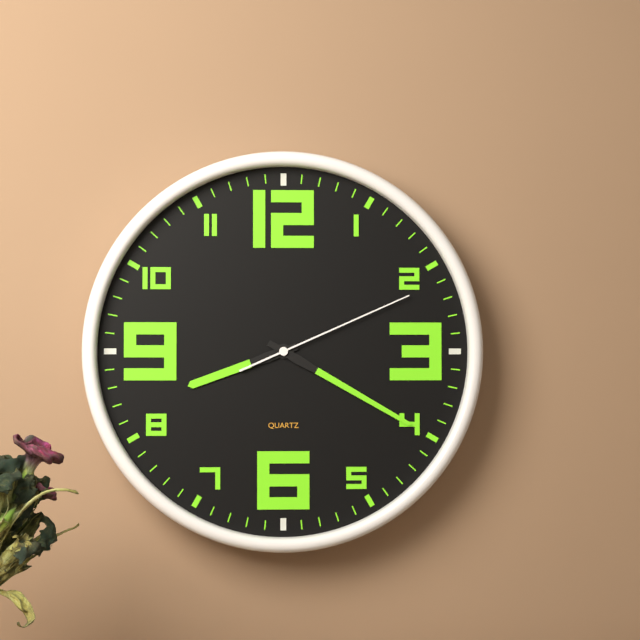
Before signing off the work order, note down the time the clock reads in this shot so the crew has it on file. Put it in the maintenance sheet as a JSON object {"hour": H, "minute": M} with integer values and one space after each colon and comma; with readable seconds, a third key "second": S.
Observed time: {"hour": 8, "minute": 20, "second": 11}
